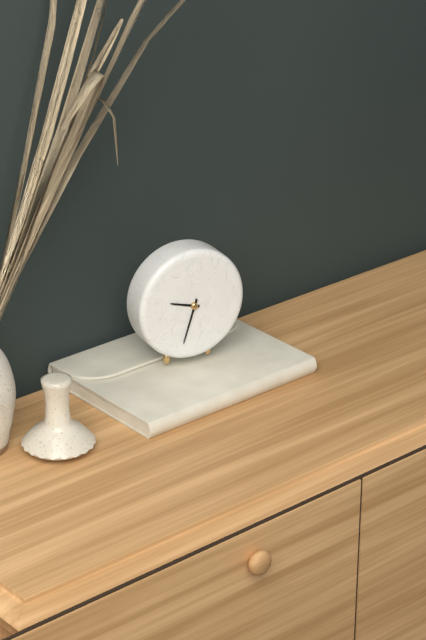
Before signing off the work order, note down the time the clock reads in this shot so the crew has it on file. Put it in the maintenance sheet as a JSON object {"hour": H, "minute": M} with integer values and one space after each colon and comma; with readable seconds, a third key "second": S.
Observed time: {"hour": 9, "minute": 33}
